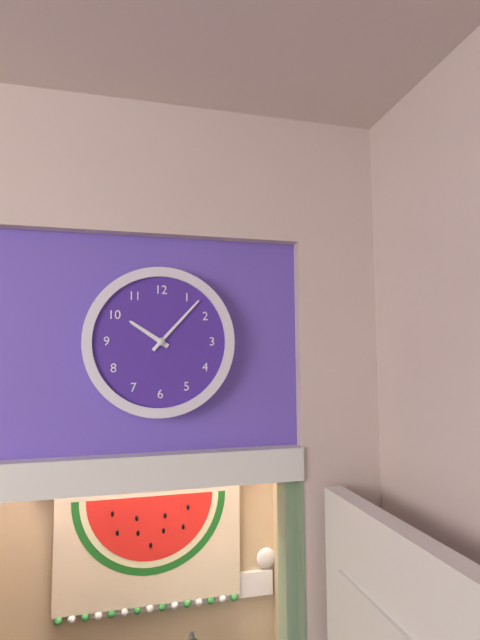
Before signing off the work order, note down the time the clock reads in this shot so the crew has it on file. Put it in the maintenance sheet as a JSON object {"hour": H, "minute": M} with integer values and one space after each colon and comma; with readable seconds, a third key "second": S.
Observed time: {"hour": 10, "minute": 7}
